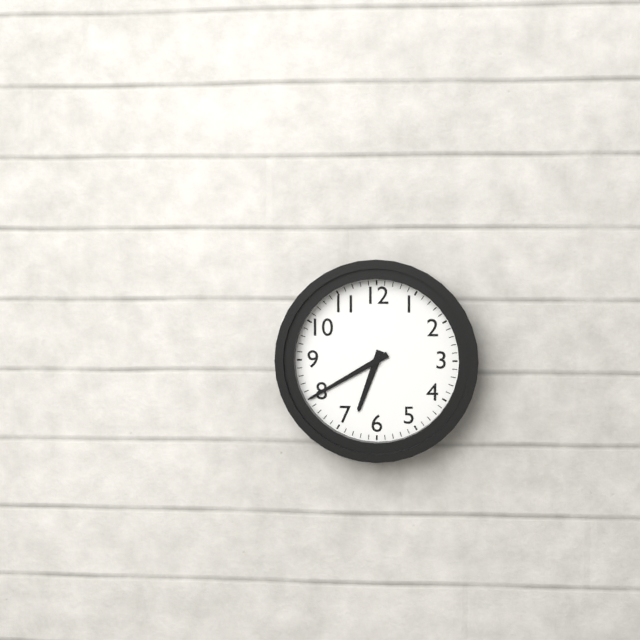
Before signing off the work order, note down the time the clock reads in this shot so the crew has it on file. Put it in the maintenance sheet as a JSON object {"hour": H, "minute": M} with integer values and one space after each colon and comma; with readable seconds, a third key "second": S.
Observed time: {"hour": 6, "minute": 40}
